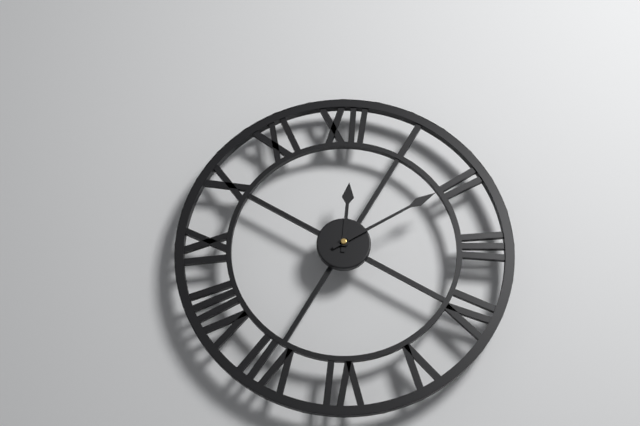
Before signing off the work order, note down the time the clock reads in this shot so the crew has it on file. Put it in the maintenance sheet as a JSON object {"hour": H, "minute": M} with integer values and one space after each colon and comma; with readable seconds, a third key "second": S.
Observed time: {"hour": 12, "minute": 10}
